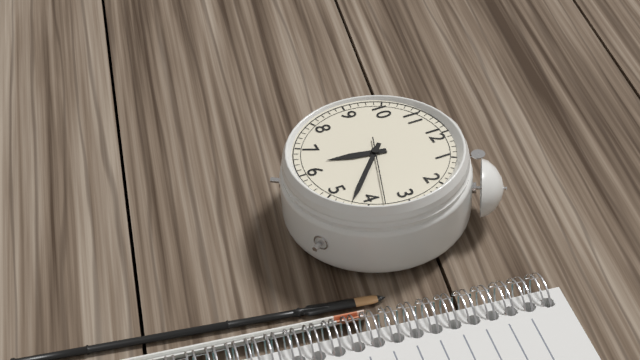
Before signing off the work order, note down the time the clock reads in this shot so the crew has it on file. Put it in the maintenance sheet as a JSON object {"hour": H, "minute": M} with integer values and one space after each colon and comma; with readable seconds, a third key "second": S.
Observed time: {"hour": 6, "minute": 22, "second": 18}
